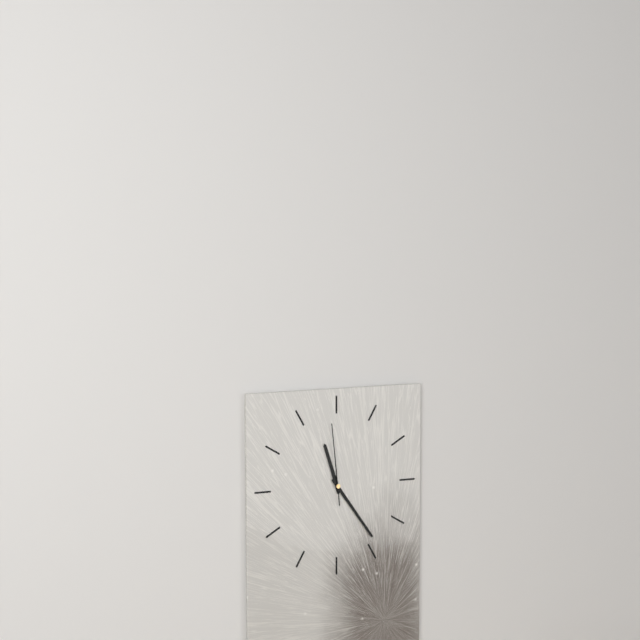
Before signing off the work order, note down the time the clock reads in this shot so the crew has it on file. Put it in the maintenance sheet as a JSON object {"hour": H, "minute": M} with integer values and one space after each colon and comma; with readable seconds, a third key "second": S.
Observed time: {"hour": 11, "minute": 24, "second": 59}
